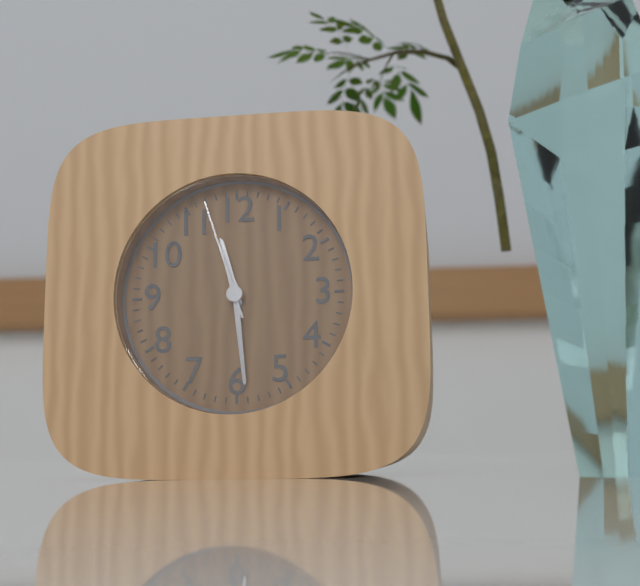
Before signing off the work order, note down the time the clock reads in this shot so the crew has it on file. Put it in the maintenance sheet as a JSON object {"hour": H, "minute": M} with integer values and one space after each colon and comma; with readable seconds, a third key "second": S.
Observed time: {"hour": 11, "minute": 29, "second": 57}
